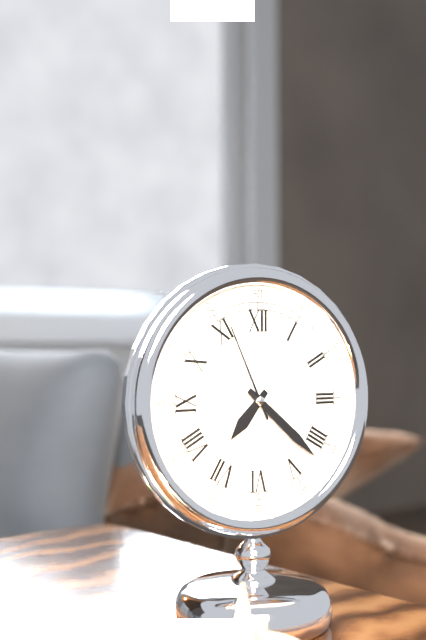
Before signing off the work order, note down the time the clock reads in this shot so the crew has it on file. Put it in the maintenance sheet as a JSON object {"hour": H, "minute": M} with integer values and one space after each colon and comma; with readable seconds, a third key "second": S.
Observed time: {"hour": 7, "minute": 22, "second": 56}
